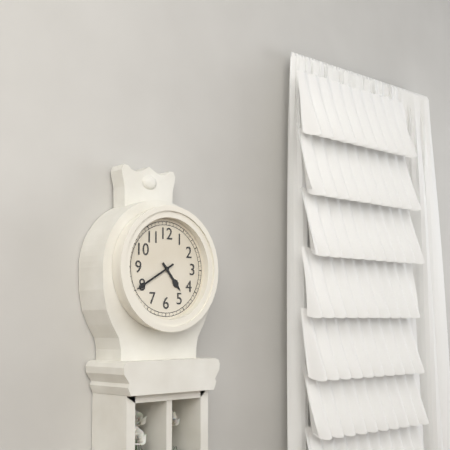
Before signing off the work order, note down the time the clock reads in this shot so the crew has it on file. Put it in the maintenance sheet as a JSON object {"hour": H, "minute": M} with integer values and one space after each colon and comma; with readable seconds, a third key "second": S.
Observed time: {"hour": 4, "minute": 40}
